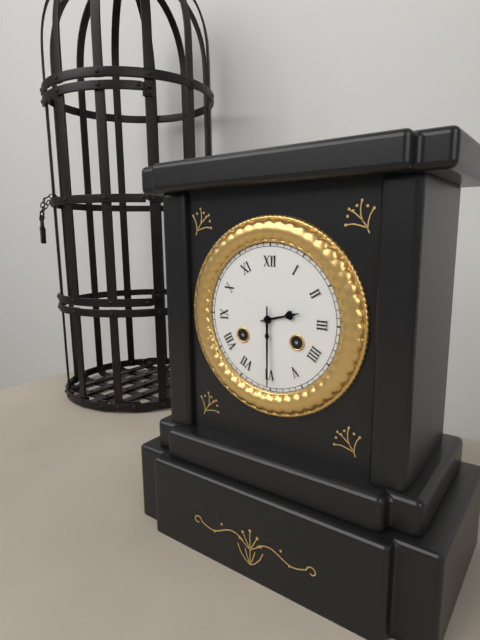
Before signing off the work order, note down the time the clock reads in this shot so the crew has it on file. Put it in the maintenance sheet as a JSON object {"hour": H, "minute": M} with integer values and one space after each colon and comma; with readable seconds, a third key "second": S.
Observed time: {"hour": 2, "minute": 30}
